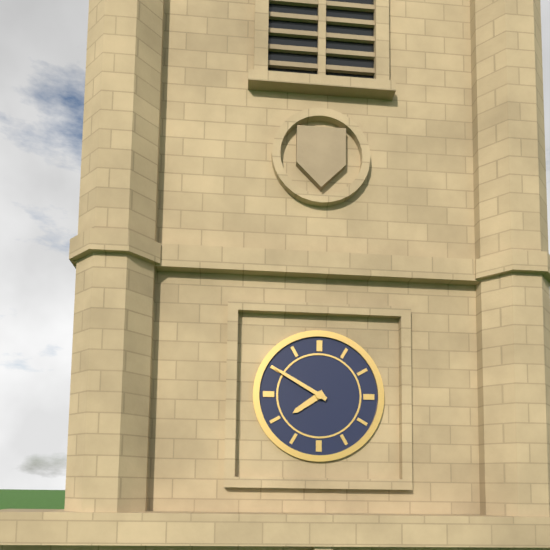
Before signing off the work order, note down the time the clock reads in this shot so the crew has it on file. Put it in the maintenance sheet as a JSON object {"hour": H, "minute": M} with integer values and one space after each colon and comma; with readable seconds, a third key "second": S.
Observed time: {"hour": 7, "minute": 50}
